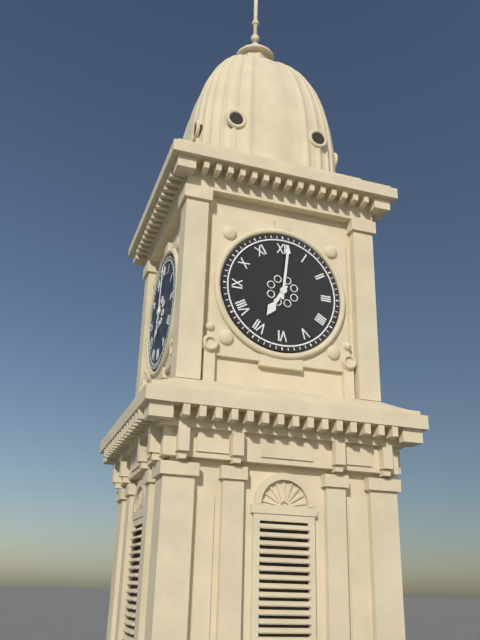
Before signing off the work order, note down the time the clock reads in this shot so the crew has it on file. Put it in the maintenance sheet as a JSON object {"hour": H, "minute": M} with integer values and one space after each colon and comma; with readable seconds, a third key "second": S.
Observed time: {"hour": 7, "minute": 1}
